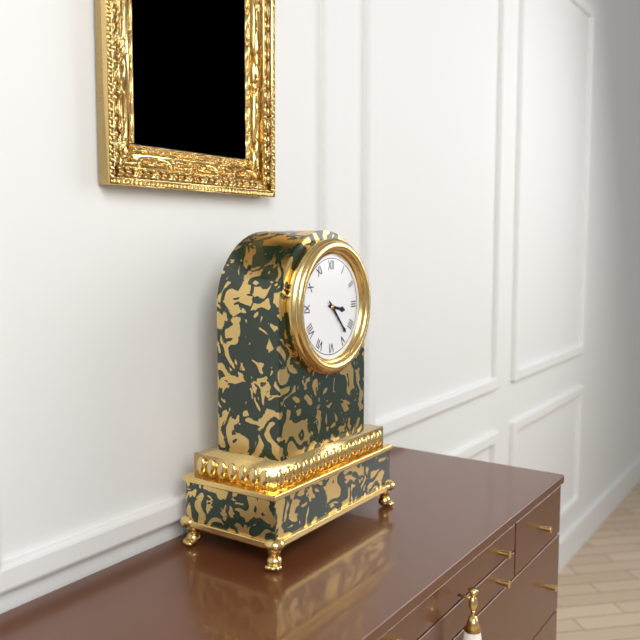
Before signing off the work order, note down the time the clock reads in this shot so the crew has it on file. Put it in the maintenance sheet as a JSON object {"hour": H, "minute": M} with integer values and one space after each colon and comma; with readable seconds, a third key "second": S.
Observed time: {"hour": 3, "minute": 23}
